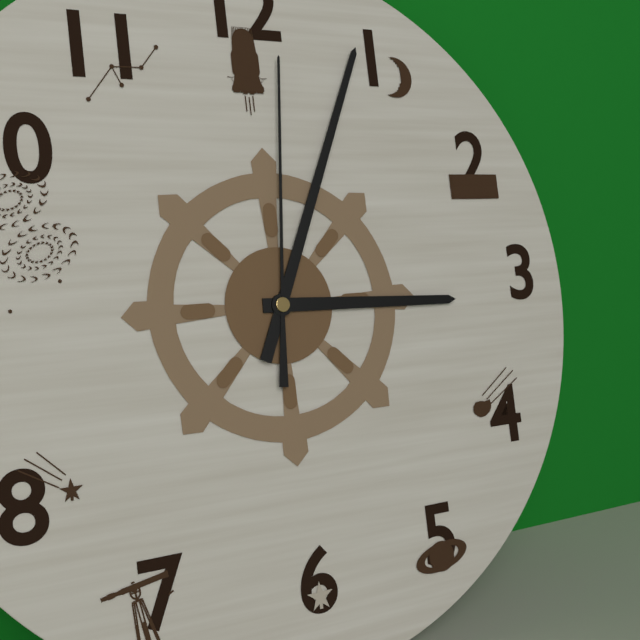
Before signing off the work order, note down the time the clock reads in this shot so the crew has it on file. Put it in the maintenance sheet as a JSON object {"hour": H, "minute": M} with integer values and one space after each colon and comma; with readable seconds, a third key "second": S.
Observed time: {"hour": 3, "minute": 4, "second": 1}
